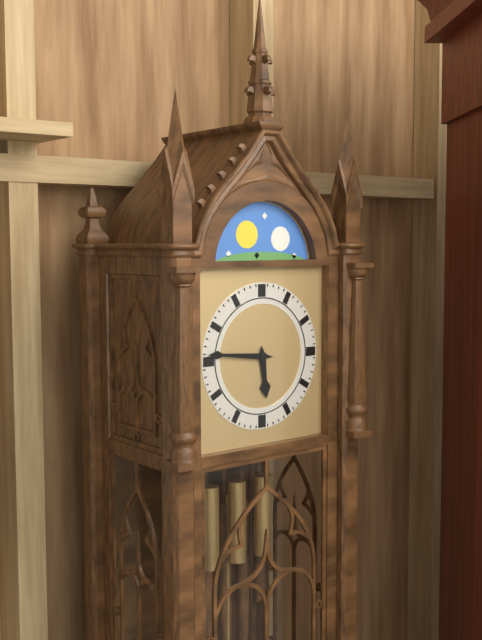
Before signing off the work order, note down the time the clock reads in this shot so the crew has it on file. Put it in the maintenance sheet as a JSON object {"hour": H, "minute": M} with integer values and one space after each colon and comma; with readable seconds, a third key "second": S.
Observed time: {"hour": 5, "minute": 46}
